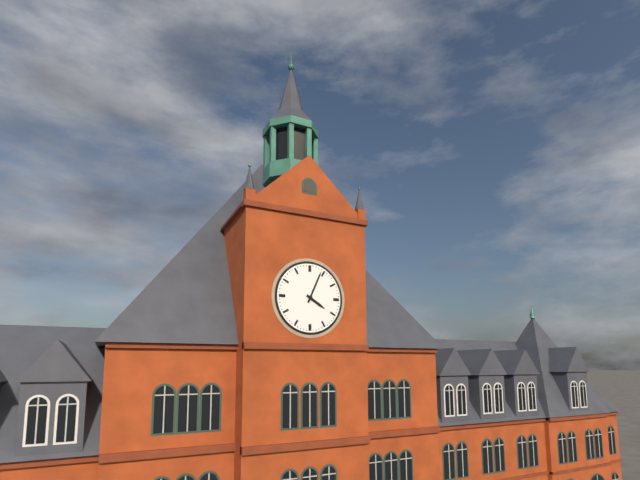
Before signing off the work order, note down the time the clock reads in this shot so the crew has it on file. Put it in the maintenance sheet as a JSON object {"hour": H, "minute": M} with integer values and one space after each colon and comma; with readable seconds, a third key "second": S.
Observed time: {"hour": 4, "minute": 4}
